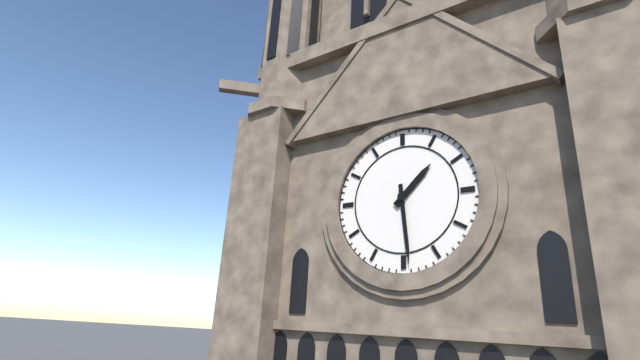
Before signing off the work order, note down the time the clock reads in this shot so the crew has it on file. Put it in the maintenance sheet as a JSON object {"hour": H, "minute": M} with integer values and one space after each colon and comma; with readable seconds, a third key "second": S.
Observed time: {"hour": 1, "minute": 29}
